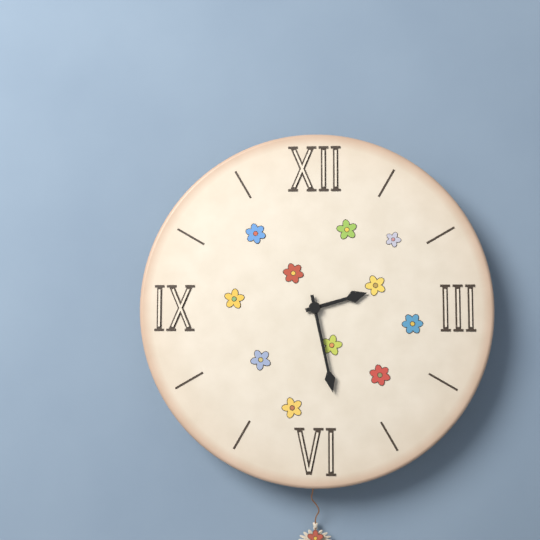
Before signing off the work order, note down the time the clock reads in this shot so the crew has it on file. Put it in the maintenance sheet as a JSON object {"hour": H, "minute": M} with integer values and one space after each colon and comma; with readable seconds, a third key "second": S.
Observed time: {"hour": 2, "minute": 28}
